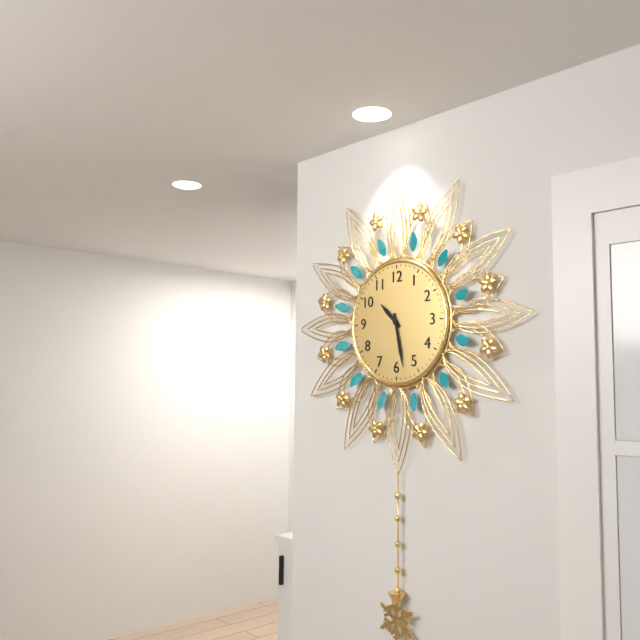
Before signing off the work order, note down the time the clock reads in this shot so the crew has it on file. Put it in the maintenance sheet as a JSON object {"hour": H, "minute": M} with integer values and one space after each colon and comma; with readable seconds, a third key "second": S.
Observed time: {"hour": 10, "minute": 28}
